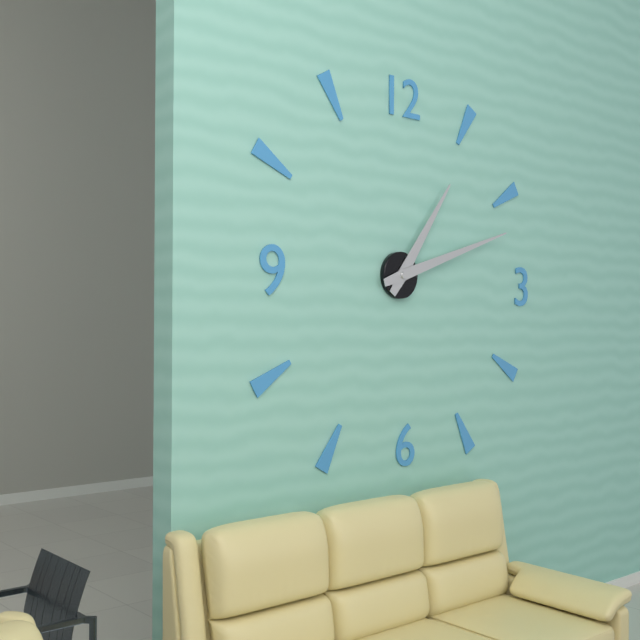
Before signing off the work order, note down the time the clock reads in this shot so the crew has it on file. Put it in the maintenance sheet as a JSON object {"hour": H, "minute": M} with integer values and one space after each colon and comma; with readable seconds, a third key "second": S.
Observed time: {"hour": 1, "minute": 12}
